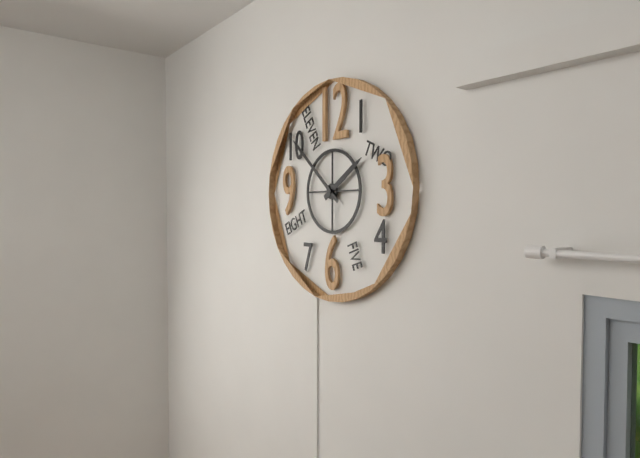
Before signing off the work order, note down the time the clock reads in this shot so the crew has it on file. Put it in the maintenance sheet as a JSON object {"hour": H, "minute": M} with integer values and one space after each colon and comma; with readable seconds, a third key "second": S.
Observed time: {"hour": 1, "minute": 52}
